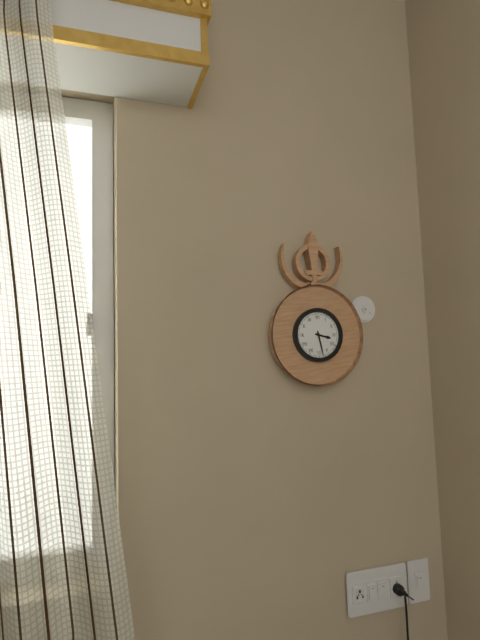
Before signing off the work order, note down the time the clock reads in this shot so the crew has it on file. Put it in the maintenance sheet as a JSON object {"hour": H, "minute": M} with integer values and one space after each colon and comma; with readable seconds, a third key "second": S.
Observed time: {"hour": 3, "minute": 28}
